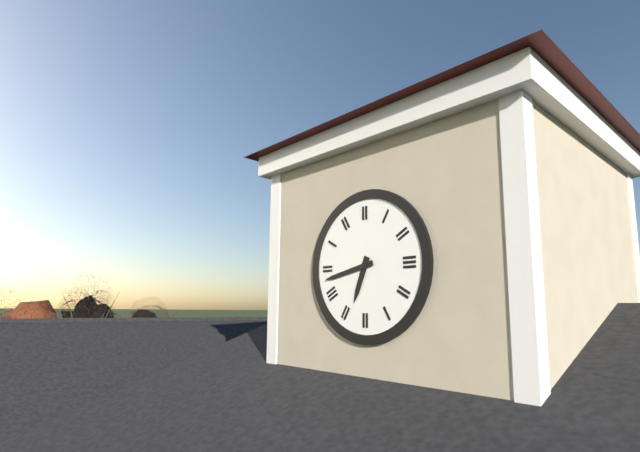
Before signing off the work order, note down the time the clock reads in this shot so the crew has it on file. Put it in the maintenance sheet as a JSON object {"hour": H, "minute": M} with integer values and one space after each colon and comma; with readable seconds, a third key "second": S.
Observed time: {"hour": 6, "minute": 43}
